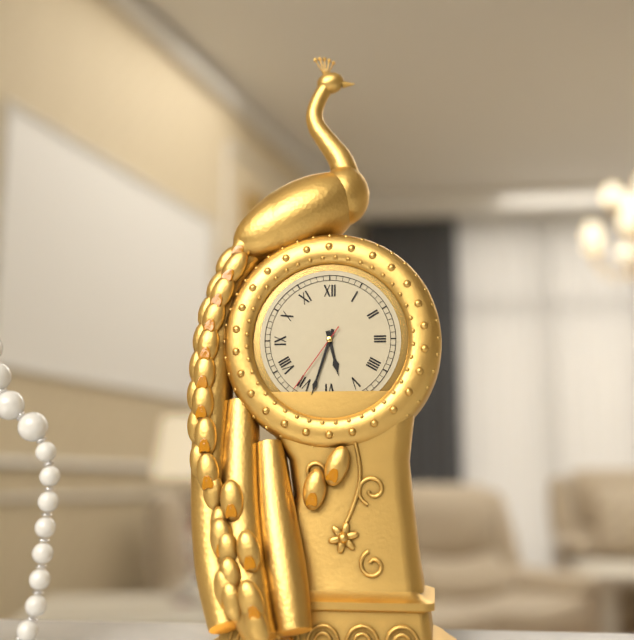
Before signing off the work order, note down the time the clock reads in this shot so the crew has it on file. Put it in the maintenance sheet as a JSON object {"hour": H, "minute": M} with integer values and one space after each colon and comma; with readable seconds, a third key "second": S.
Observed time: {"hour": 5, "minute": 33, "second": 36}
